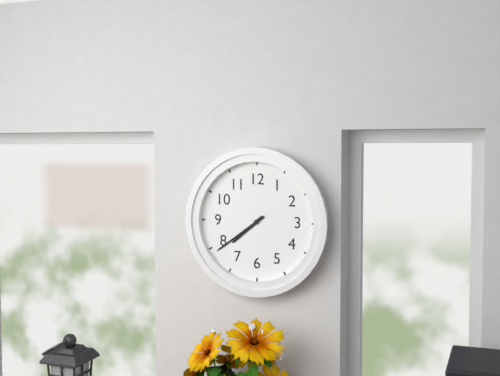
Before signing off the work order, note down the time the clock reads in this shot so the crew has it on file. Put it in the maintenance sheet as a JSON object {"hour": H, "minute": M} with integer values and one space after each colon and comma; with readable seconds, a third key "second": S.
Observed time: {"hour": 7, "minute": 39}
